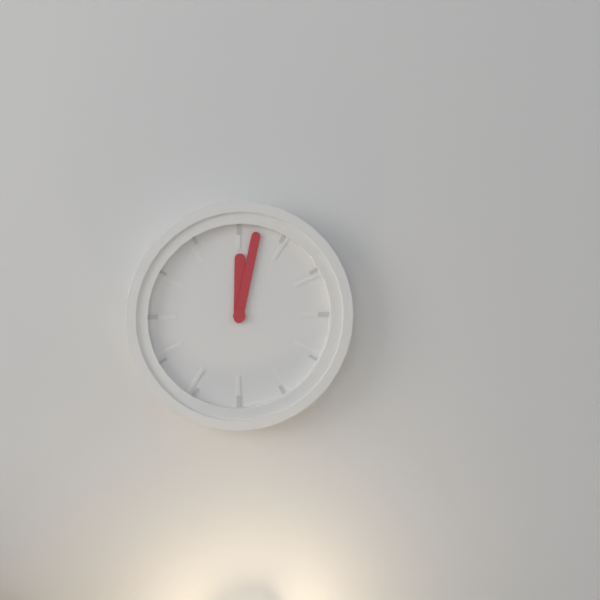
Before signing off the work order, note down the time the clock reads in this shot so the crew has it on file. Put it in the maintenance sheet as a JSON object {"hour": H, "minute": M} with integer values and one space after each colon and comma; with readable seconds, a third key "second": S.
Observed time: {"hour": 12, "minute": 2}
